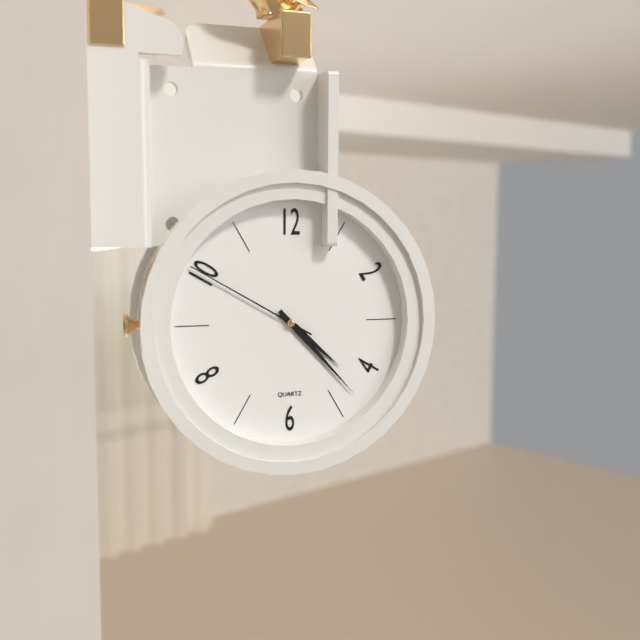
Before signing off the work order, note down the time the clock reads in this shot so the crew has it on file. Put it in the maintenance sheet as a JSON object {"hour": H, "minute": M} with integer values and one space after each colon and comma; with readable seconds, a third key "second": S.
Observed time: {"hour": 4, "minute": 23, "second": 50}
